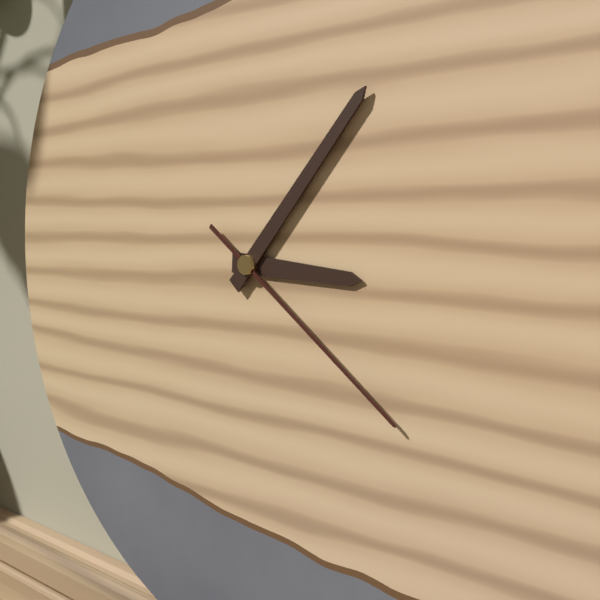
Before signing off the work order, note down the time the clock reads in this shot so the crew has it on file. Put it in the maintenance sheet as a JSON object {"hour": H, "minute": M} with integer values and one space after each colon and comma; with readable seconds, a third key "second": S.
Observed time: {"hour": 3, "minute": 7, "second": 21}
